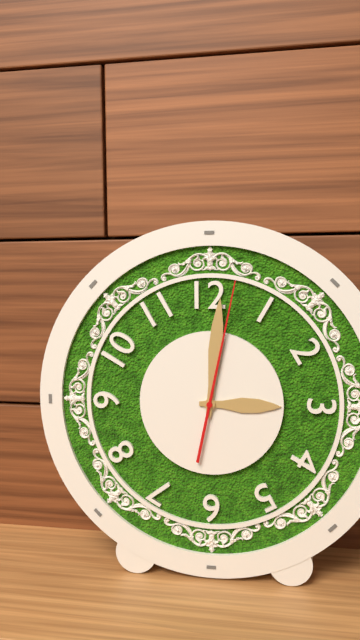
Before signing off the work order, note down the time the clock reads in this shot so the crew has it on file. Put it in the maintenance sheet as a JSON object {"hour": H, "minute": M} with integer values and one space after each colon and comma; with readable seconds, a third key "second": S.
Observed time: {"hour": 3, "minute": 1, "second": 2}
